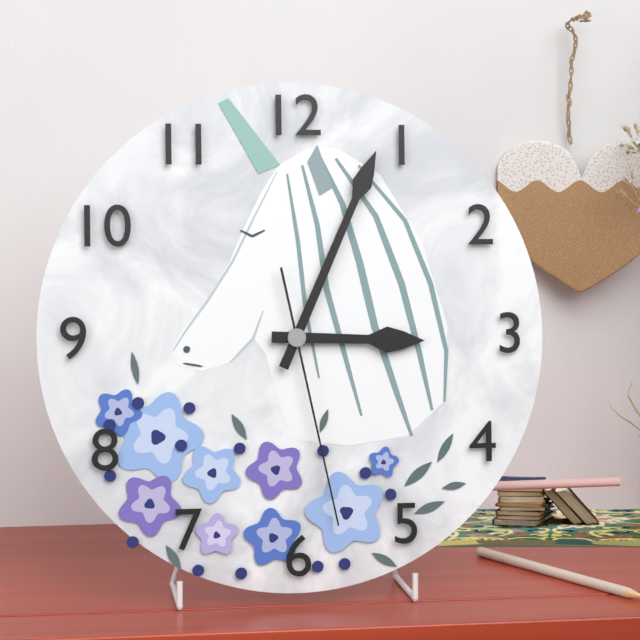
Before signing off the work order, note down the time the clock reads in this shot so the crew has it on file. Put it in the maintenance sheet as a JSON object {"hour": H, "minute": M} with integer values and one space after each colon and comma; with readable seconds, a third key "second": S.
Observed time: {"hour": 3, "minute": 4, "second": 28}
